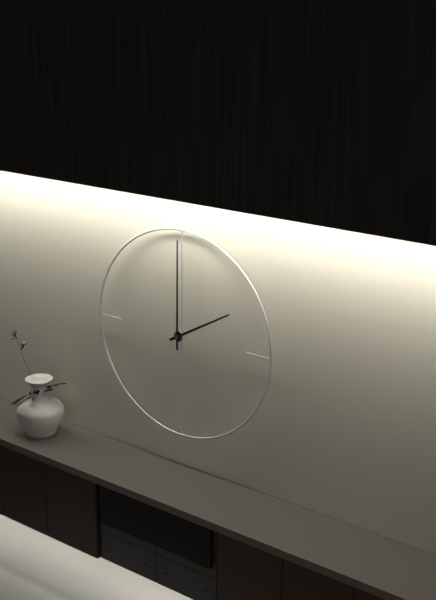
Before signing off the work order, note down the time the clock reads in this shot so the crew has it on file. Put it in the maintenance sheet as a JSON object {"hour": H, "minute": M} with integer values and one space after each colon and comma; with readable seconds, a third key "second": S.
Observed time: {"hour": 2, "minute": 0}
